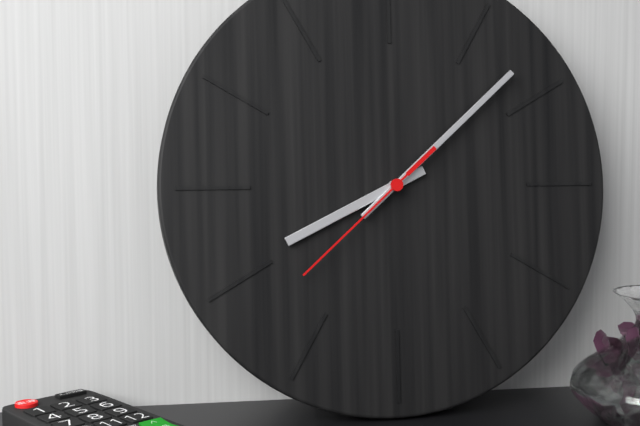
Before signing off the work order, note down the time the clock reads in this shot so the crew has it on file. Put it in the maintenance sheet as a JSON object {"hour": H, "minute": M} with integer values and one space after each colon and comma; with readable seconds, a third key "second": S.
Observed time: {"hour": 8, "minute": 8, "second": 38}
